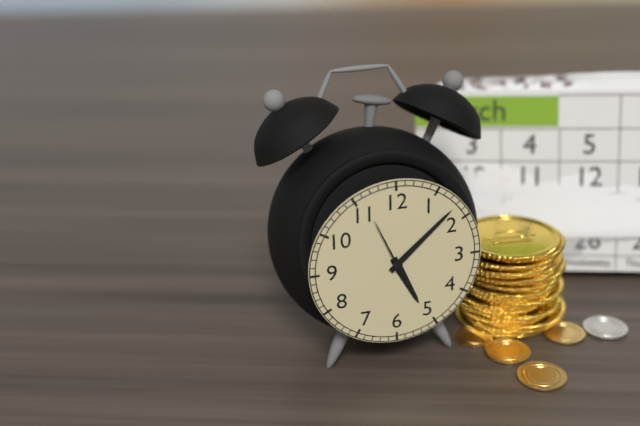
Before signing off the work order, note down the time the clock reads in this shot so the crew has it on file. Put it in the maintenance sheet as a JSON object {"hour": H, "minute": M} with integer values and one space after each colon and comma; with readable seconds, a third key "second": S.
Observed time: {"hour": 5, "minute": 8, "second": 56}
